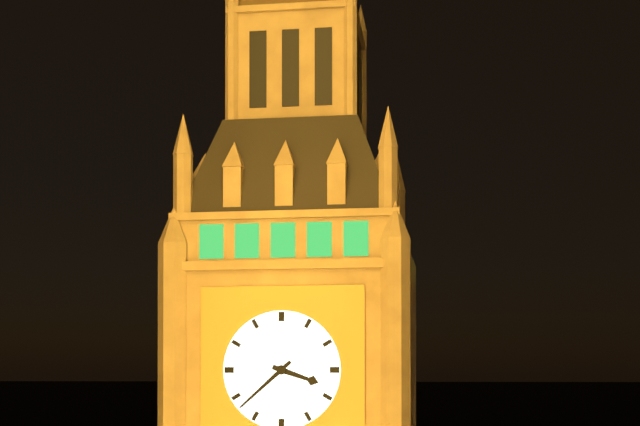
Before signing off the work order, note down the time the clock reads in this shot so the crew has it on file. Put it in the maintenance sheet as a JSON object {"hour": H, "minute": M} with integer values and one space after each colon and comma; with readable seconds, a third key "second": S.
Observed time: {"hour": 3, "minute": 38}
